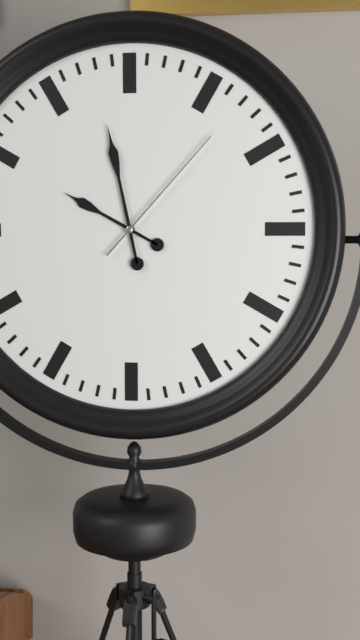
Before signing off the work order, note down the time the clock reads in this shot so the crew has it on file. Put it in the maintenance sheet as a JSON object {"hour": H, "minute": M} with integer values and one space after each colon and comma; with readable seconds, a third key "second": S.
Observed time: {"hour": 9, "minute": 58, "second": 7}
